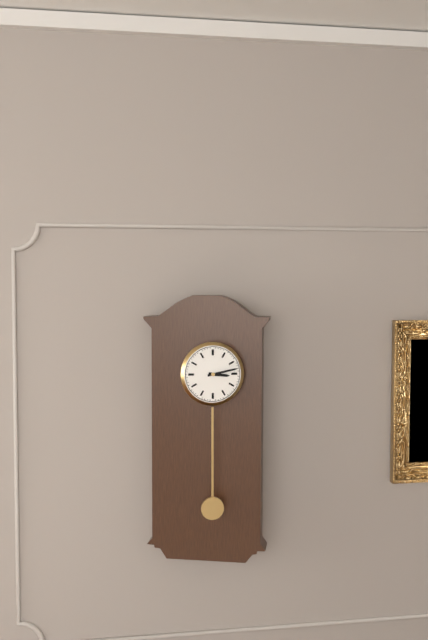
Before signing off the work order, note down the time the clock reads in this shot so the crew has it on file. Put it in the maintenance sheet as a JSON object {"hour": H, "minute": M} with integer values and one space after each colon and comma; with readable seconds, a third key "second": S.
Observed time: {"hour": 3, "minute": 13}
